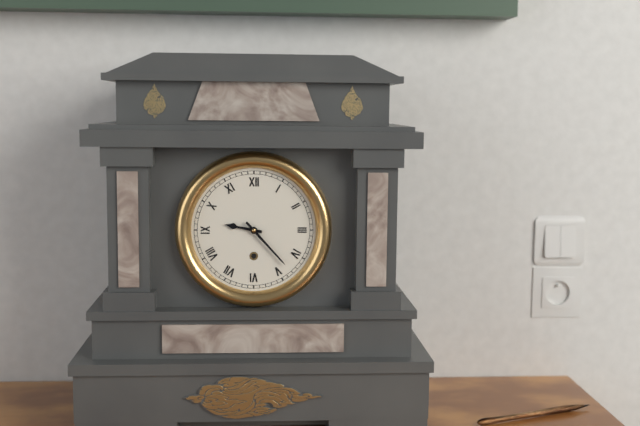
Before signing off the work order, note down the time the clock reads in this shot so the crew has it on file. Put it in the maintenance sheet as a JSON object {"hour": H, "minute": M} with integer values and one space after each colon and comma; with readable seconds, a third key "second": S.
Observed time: {"hour": 9, "minute": 23}
